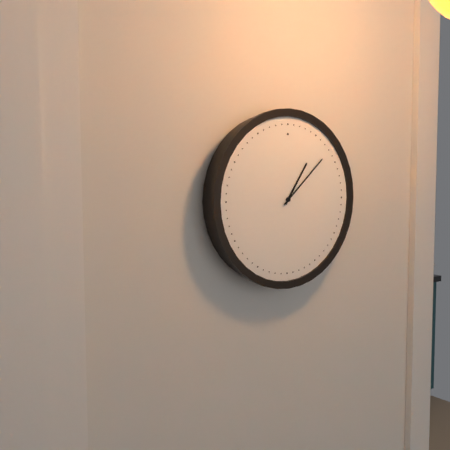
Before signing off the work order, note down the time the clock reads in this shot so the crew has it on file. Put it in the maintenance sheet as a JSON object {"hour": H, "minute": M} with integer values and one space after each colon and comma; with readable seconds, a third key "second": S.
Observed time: {"hour": 1, "minute": 8}
